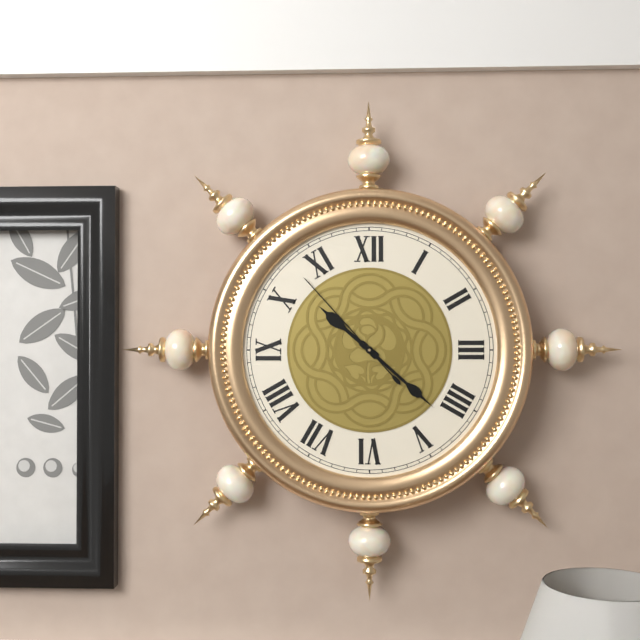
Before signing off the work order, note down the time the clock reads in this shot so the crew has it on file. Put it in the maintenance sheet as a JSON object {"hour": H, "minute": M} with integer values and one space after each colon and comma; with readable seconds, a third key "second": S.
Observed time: {"hour": 10, "minute": 22, "second": 53}
